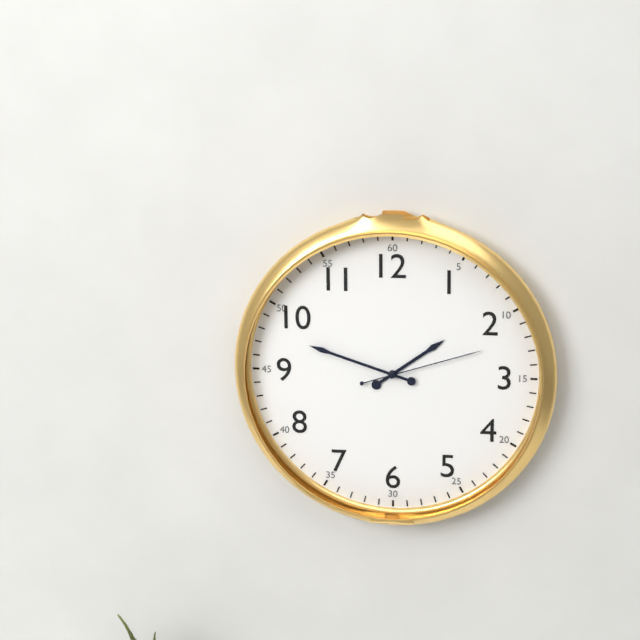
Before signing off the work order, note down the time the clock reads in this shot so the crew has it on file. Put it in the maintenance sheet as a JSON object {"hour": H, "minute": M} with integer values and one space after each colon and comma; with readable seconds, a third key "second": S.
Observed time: {"hour": 1, "minute": 48, "second": 12}
